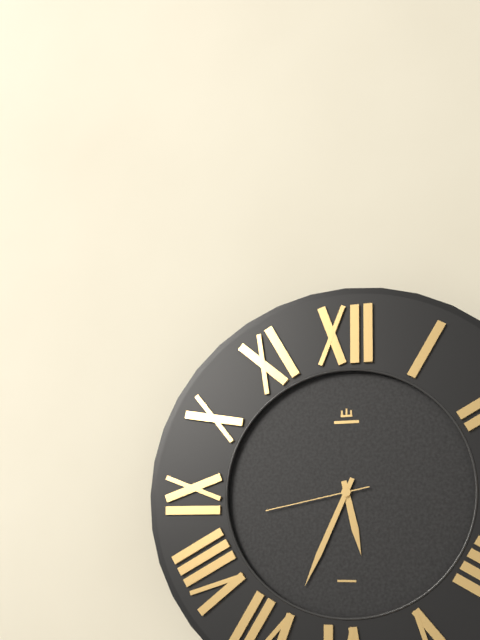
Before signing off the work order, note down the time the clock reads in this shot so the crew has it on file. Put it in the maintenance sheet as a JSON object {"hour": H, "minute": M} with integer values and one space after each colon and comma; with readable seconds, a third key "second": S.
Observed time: {"hour": 5, "minute": 34, "second": 43}
